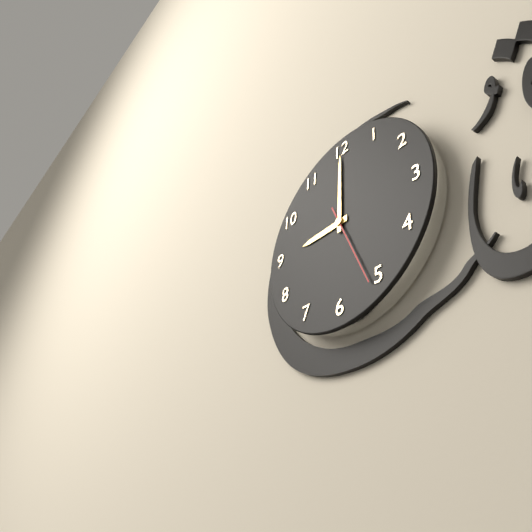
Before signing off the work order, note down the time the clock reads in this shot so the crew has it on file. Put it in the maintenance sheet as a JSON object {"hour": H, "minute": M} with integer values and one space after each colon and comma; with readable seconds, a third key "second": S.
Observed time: {"hour": 9, "minute": 0, "second": 26}
